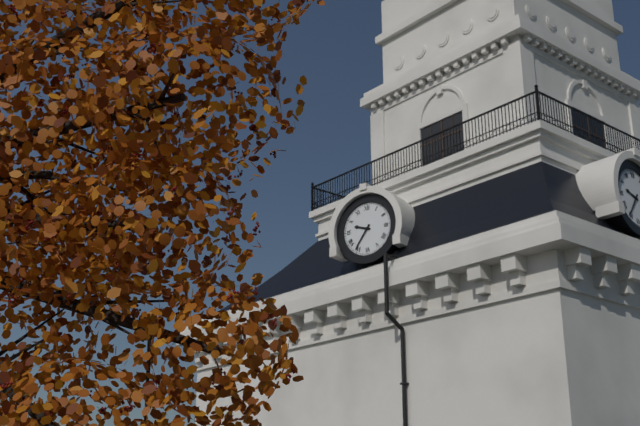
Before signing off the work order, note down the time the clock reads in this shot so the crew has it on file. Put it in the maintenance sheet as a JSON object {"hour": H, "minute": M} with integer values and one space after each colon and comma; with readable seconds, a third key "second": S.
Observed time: {"hour": 9, "minute": 36}
